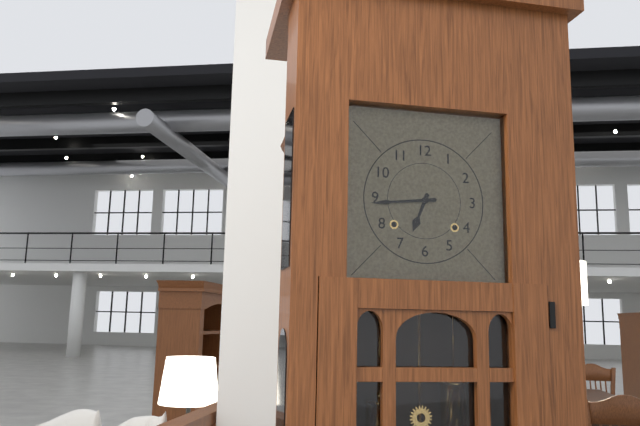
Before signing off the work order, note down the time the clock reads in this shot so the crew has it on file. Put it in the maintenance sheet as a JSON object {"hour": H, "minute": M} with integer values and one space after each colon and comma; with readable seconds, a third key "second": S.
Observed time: {"hour": 6, "minute": 44}
